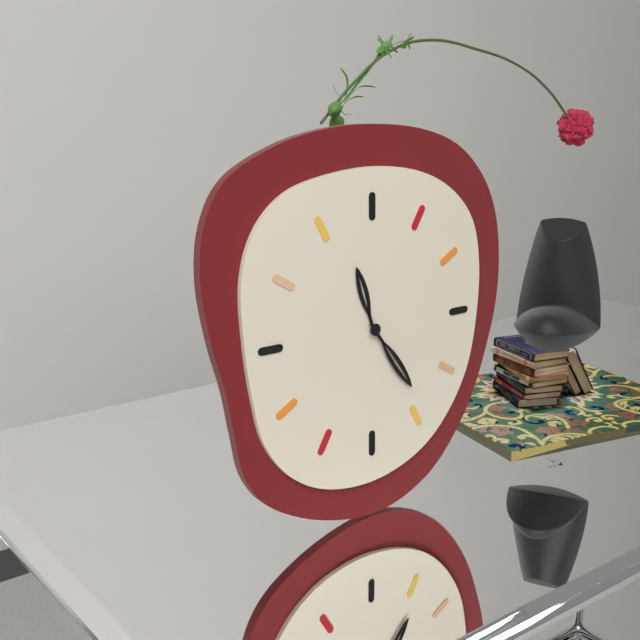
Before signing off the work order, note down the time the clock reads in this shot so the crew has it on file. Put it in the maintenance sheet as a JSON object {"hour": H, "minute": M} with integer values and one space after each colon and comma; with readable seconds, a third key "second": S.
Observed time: {"hour": 11, "minute": 24}
